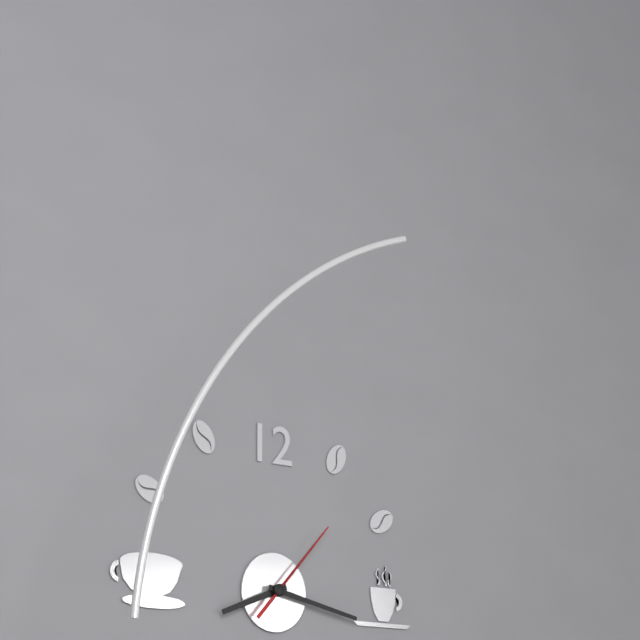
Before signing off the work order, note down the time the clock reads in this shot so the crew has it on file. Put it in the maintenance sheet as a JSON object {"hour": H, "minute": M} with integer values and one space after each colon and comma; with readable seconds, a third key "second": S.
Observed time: {"hour": 8, "minute": 17, "second": 7}
